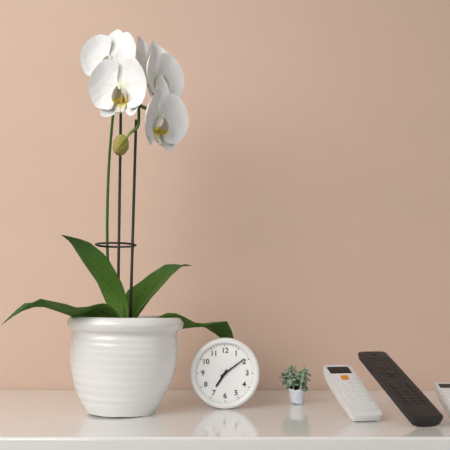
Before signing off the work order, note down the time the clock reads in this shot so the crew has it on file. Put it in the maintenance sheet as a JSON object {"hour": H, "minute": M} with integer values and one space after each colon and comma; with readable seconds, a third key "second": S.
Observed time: {"hour": 7, "minute": 9}
